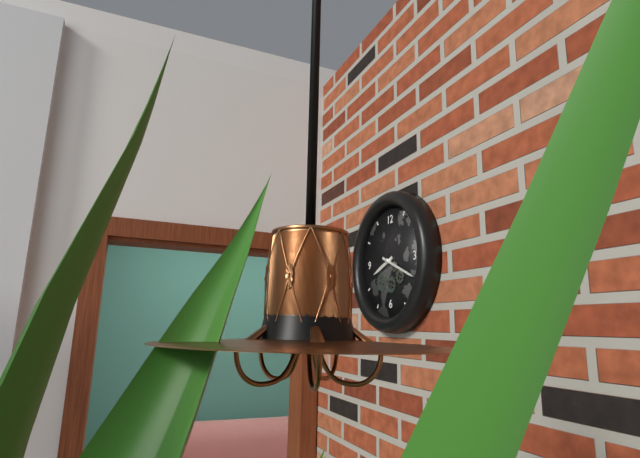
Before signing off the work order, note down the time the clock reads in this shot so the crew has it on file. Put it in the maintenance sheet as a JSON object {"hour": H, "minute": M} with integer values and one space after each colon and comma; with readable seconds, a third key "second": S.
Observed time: {"hour": 8, "minute": 19}
